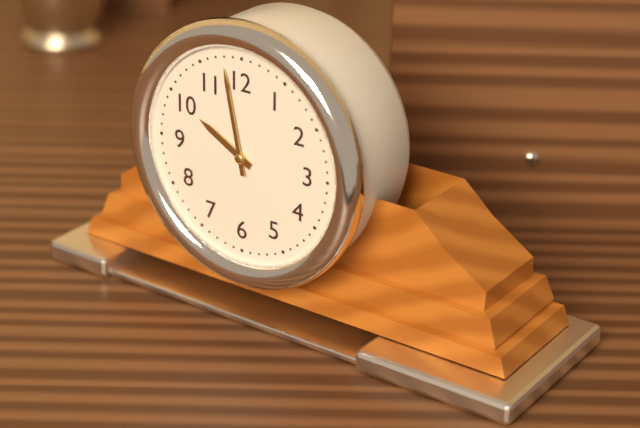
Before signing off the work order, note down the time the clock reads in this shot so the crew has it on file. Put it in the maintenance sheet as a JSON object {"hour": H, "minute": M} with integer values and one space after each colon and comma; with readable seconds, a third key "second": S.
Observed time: {"hour": 9, "minute": 58}
